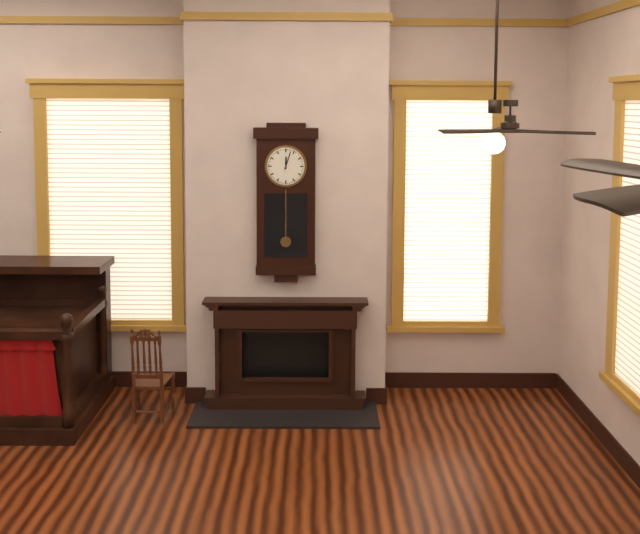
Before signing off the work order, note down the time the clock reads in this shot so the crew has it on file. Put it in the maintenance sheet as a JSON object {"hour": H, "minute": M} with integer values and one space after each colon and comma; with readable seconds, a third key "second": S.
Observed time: {"hour": 12, "minute": 3}
